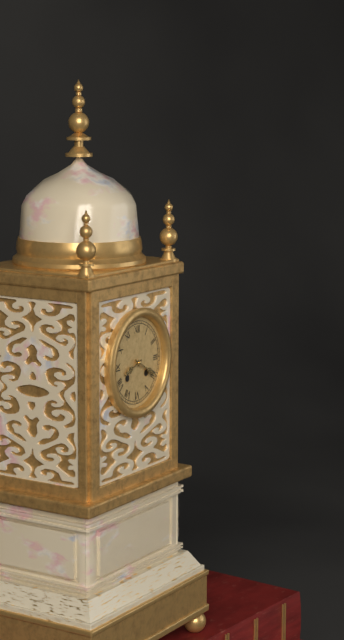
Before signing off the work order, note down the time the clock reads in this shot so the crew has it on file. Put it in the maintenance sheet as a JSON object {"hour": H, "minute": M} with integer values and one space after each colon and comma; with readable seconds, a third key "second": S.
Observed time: {"hour": 8, "minute": 20}
